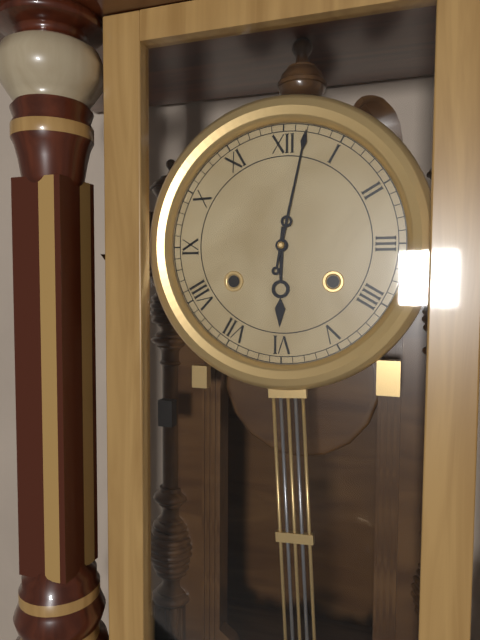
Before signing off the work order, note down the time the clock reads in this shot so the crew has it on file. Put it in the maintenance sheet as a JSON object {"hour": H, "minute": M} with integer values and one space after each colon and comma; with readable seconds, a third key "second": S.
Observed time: {"hour": 6, "minute": 2}
